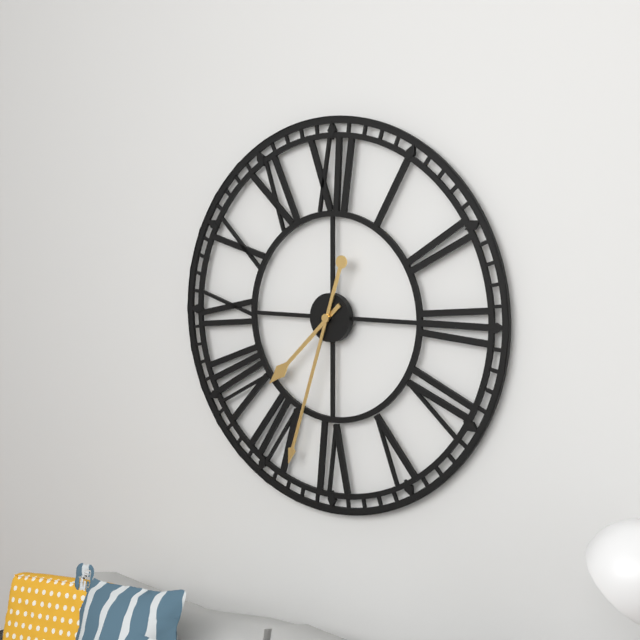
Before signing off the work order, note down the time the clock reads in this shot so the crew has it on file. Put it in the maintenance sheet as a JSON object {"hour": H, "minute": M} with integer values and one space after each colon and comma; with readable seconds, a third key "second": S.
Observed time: {"hour": 7, "minute": 33}
